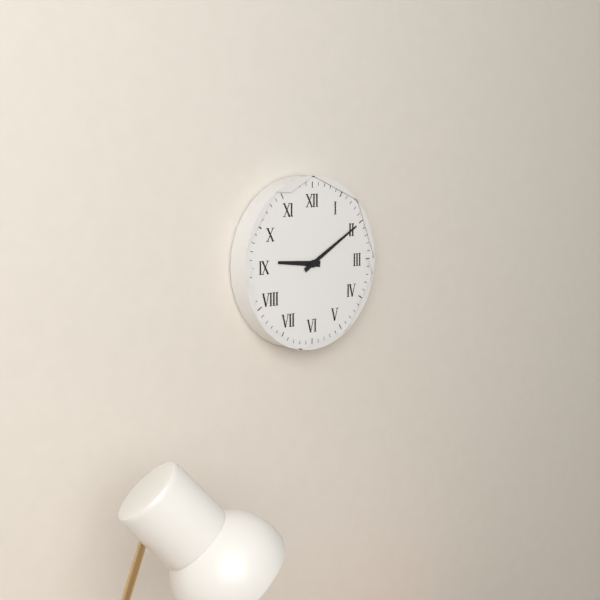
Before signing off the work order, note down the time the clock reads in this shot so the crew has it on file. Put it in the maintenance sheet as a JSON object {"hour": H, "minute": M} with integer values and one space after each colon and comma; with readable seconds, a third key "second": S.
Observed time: {"hour": 9, "minute": 10}
